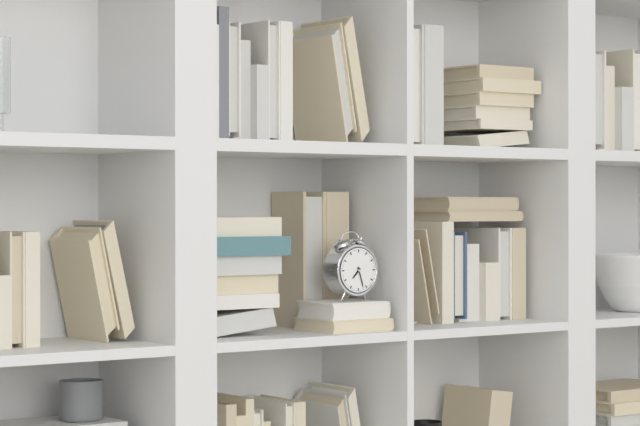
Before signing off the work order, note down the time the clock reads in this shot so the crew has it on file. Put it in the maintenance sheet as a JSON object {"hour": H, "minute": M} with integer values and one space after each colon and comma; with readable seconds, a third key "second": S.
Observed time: {"hour": 7, "minute": 27}
